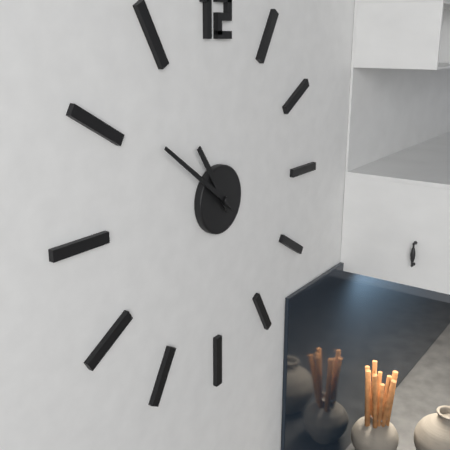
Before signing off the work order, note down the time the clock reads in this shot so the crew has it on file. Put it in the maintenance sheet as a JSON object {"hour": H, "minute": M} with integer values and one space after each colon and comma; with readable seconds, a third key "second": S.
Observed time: {"hour": 10, "minute": 51}
